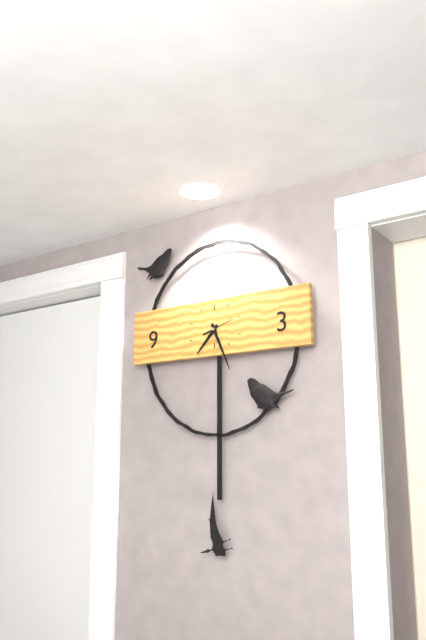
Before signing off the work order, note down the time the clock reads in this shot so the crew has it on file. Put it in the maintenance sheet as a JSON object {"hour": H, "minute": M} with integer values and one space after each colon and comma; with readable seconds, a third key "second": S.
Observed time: {"hour": 7, "minute": 26}
